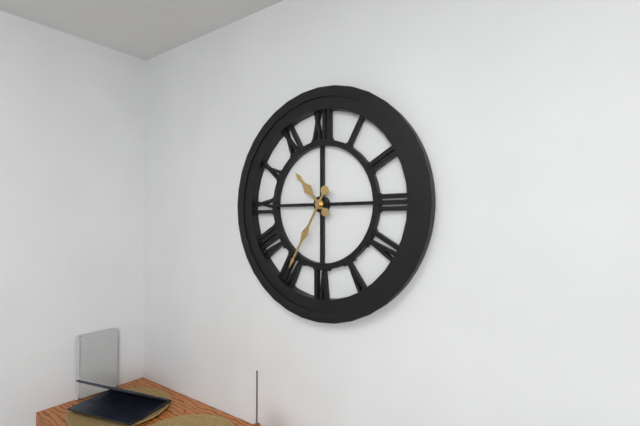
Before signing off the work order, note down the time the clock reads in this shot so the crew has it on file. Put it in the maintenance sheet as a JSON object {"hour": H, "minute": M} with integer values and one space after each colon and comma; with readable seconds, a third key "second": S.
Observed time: {"hour": 10, "minute": 35}
